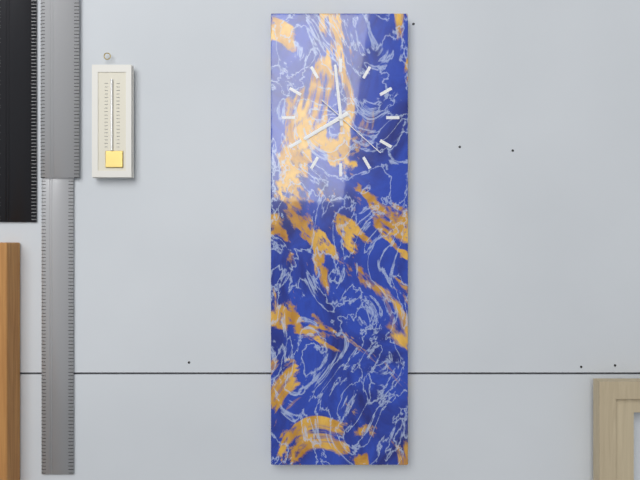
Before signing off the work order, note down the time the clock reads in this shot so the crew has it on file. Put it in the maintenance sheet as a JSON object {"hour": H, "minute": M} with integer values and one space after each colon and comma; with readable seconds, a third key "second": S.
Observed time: {"hour": 7, "minute": 59, "second": 22}
